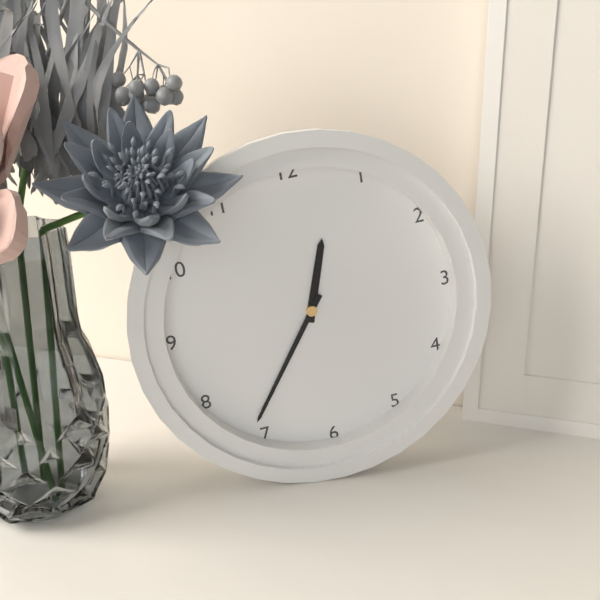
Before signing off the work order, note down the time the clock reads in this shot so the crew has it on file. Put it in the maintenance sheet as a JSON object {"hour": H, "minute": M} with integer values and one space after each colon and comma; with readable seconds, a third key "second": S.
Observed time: {"hour": 12, "minute": 36}
